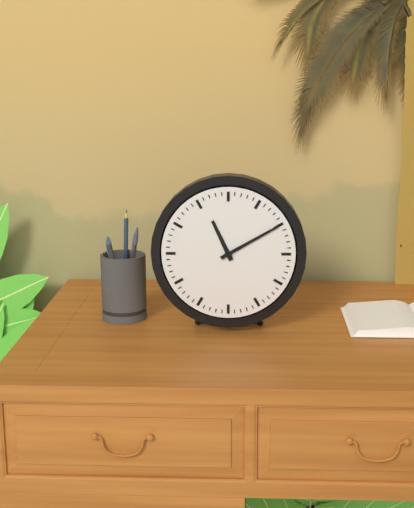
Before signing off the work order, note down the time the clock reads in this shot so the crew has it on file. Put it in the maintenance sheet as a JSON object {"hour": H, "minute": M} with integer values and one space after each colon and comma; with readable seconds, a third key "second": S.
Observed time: {"hour": 11, "minute": 10}
